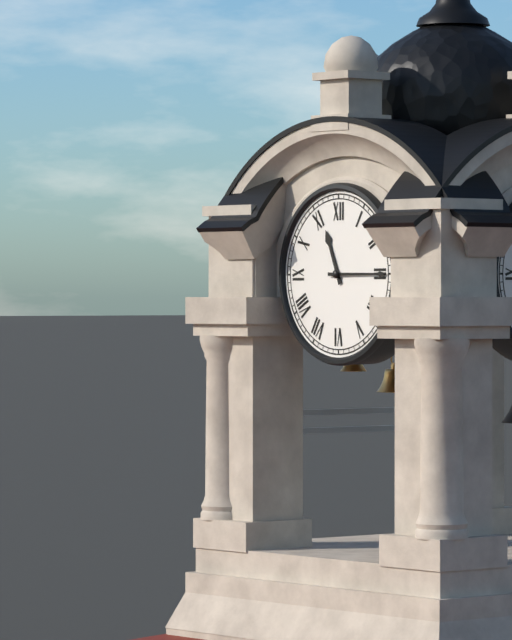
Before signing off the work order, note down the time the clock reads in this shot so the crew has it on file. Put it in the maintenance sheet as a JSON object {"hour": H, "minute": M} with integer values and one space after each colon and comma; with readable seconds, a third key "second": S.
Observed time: {"hour": 11, "minute": 15}
